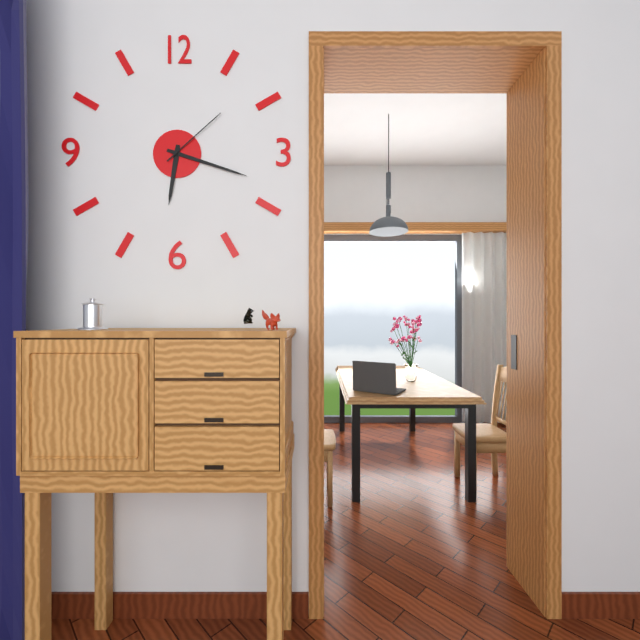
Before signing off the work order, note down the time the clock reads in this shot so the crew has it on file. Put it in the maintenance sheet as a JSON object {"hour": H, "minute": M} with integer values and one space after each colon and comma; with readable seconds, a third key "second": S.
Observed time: {"hour": 6, "minute": 18, "second": 8}
